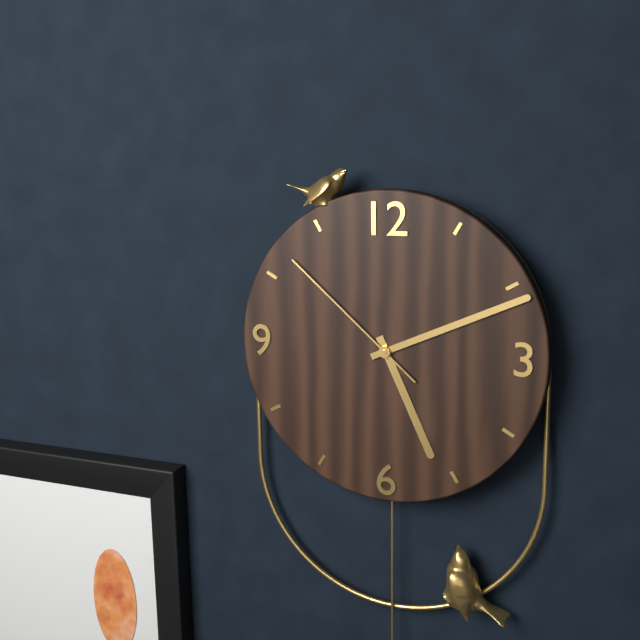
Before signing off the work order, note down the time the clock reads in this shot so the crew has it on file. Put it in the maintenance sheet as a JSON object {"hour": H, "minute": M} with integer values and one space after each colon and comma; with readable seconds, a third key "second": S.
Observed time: {"hour": 5, "minute": 11, "second": 52}
